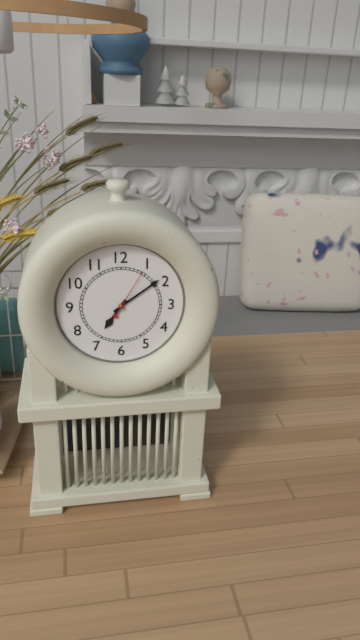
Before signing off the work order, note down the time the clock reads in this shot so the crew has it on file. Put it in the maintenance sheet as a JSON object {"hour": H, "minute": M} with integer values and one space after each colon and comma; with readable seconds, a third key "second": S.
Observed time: {"hour": 7, "minute": 9, "second": 5}
